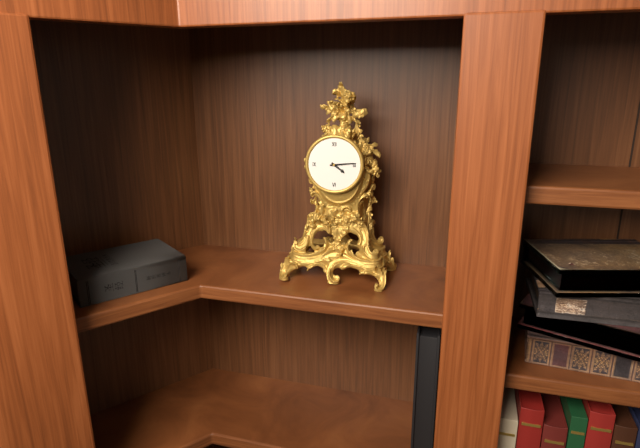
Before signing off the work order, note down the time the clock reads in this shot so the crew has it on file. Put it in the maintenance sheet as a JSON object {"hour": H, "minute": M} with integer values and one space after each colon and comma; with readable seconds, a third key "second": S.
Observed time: {"hour": 4, "minute": 14}
